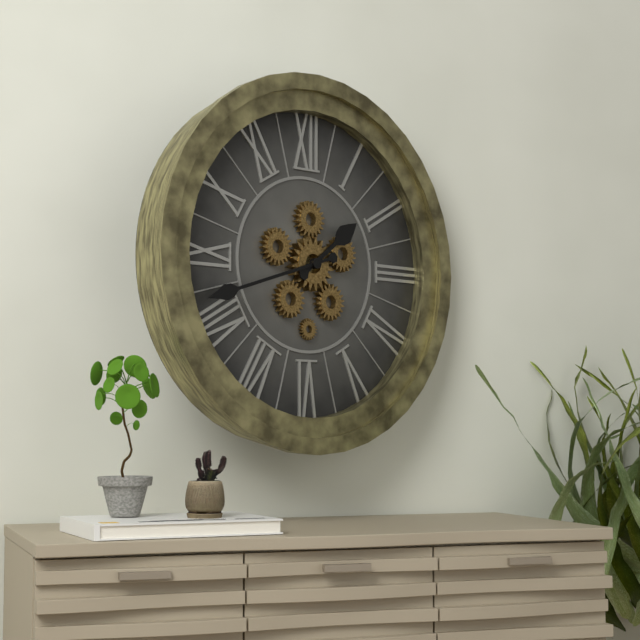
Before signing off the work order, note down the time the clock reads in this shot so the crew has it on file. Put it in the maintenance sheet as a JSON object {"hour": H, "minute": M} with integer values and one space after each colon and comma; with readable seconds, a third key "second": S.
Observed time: {"hour": 1, "minute": 42}
